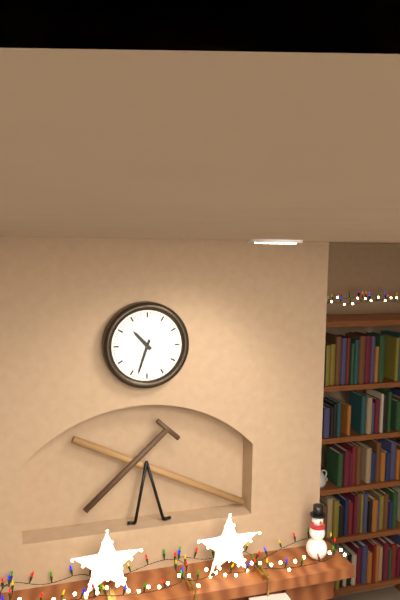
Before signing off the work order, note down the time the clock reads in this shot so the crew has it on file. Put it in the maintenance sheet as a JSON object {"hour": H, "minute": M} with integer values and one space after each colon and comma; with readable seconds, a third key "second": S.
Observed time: {"hour": 10, "minute": 33}
